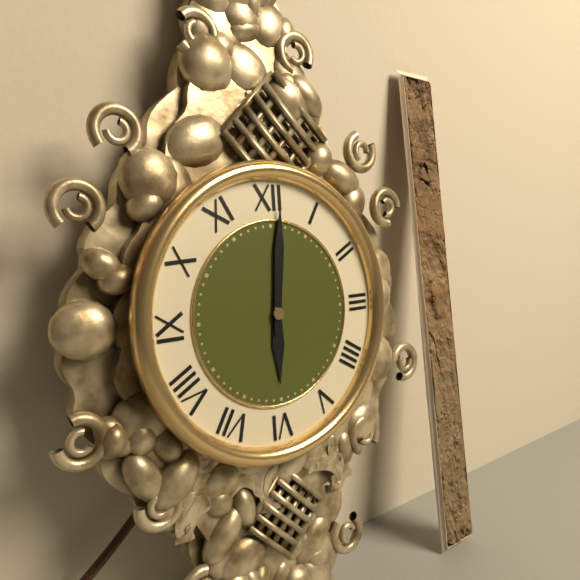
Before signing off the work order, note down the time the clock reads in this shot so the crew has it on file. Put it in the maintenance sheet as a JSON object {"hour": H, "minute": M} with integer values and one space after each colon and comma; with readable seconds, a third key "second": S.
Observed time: {"hour": 6, "minute": 1}
